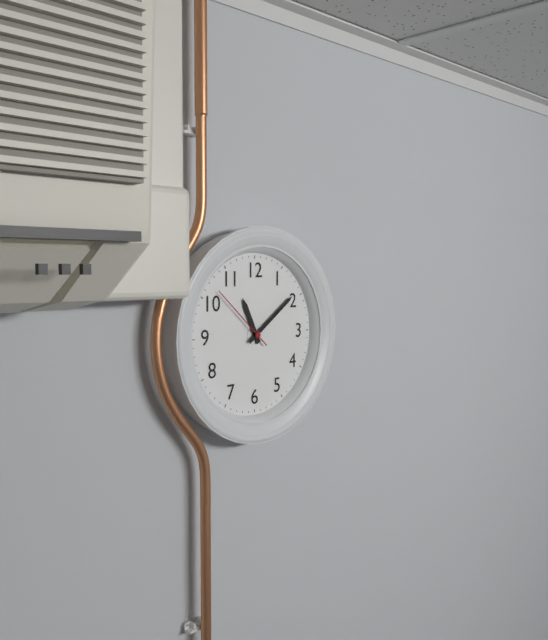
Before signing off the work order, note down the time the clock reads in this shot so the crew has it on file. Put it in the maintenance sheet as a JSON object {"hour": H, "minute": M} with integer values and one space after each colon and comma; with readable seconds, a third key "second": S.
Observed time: {"hour": 11, "minute": 9, "second": 52}
